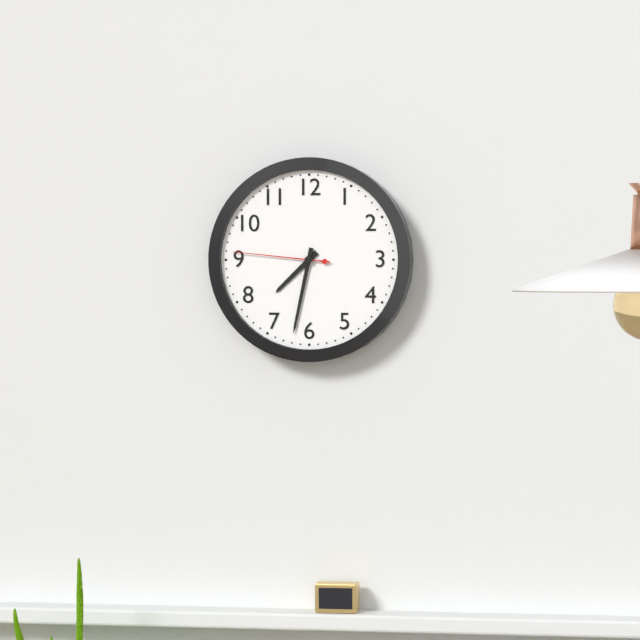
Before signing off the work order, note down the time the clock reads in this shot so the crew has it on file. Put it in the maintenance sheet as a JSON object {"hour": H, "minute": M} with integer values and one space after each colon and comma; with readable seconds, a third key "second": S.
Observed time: {"hour": 7, "minute": 32, "second": 46}
